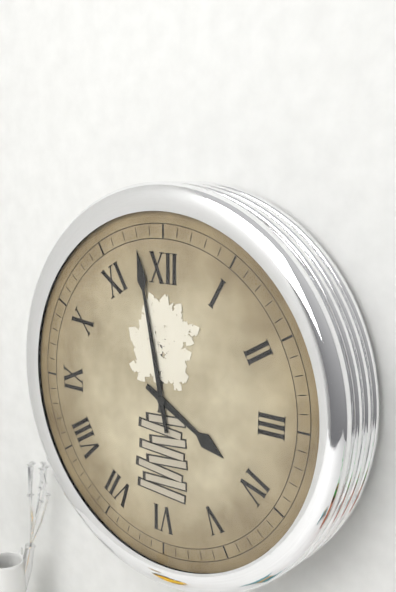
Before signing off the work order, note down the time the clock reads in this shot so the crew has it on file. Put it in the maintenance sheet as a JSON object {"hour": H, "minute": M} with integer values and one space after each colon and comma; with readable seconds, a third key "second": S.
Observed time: {"hour": 3, "minute": 58}
